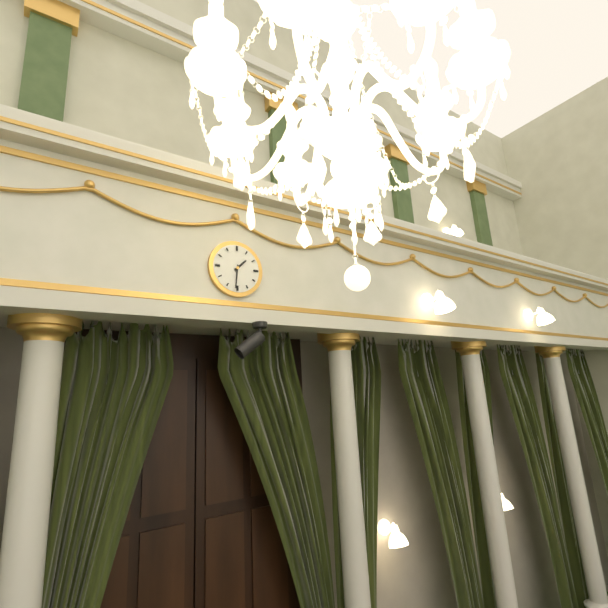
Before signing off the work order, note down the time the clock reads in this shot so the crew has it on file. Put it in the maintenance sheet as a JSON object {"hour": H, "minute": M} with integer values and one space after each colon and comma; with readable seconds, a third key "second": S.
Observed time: {"hour": 1, "minute": 31}
